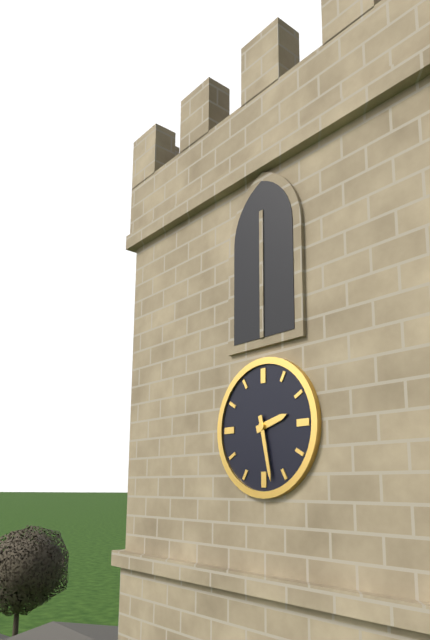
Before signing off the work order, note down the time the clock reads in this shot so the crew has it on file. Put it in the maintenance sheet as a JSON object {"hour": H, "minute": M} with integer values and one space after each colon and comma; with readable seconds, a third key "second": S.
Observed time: {"hour": 2, "minute": 28}
